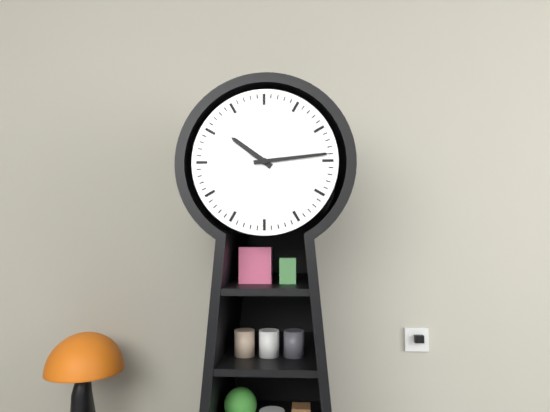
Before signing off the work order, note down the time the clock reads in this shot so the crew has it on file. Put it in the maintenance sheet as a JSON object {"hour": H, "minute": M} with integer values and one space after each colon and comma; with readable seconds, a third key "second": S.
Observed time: {"hour": 10, "minute": 14}
